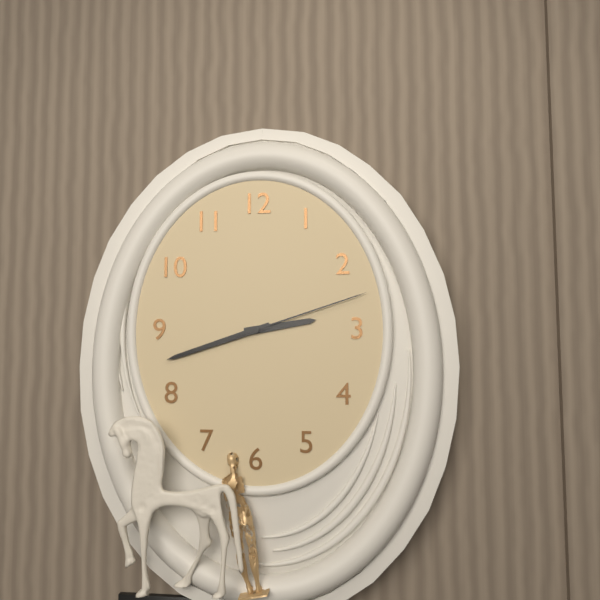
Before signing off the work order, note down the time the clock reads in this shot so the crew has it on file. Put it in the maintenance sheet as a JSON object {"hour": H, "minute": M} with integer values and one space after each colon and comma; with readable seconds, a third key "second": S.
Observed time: {"hour": 2, "minute": 42, "second": 12}
